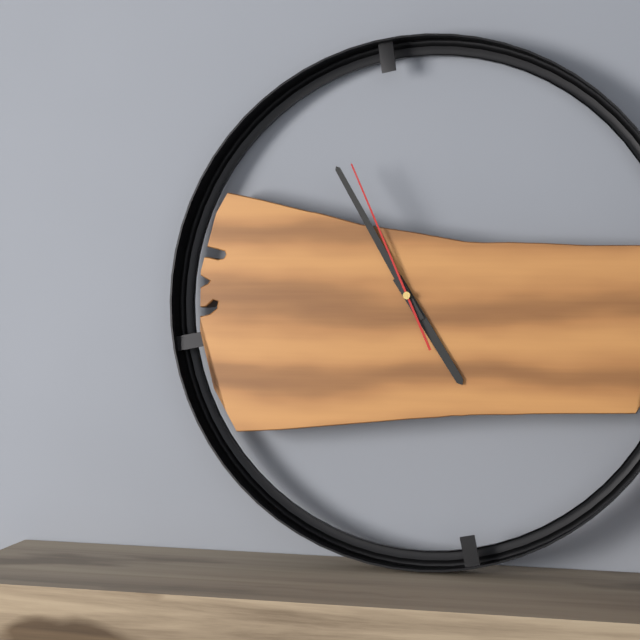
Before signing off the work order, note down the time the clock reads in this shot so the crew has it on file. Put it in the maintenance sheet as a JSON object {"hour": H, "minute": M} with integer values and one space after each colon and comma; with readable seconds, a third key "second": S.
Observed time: {"hour": 4, "minute": 55, "second": 56}
